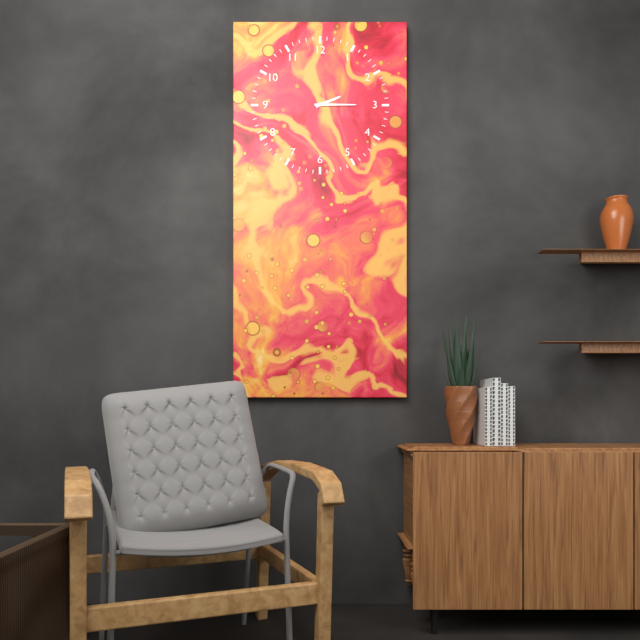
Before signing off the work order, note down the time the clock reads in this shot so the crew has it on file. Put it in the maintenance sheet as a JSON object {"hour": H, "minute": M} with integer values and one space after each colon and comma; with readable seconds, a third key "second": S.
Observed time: {"hour": 2, "minute": 15}
